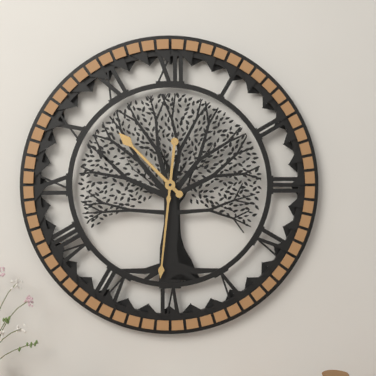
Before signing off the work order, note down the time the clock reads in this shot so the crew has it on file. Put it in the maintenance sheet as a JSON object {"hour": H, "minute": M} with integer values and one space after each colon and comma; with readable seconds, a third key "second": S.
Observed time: {"hour": 10, "minute": 31}
